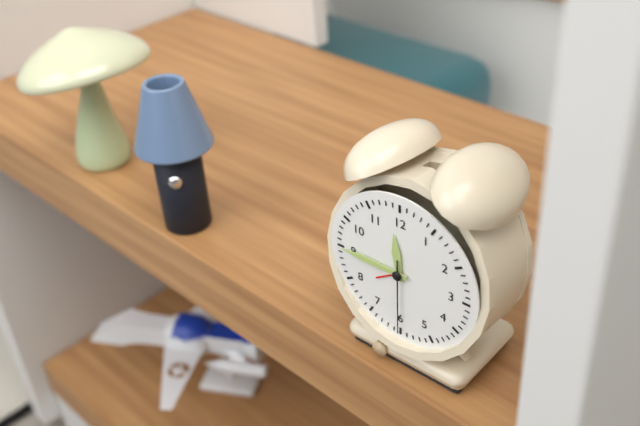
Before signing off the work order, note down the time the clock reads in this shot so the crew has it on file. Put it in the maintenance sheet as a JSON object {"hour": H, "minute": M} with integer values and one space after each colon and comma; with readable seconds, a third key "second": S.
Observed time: {"hour": 11, "minute": 45, "second": 30}
